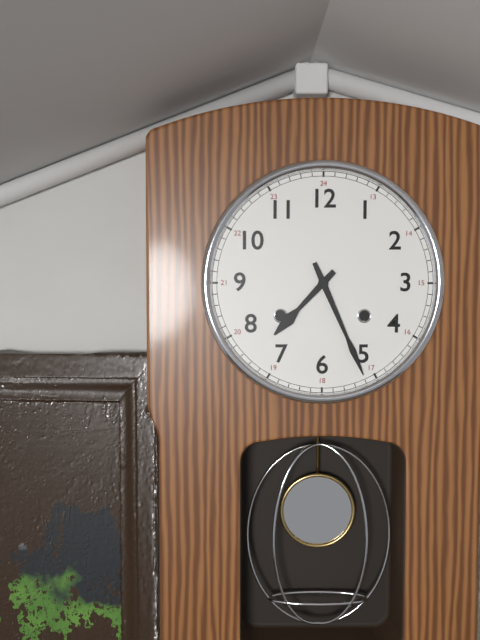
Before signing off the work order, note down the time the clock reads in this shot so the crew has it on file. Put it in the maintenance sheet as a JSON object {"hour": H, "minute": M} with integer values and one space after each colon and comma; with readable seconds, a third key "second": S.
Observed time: {"hour": 7, "minute": 26}
